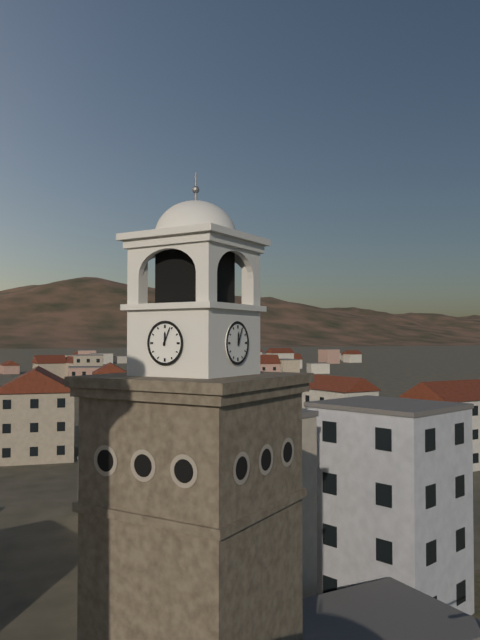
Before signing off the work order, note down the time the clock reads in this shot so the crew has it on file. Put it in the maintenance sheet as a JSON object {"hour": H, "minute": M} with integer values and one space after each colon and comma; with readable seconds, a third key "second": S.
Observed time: {"hour": 12, "minute": 4}
